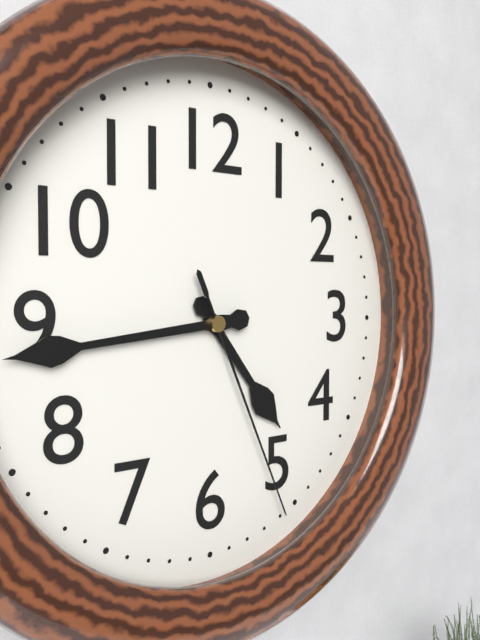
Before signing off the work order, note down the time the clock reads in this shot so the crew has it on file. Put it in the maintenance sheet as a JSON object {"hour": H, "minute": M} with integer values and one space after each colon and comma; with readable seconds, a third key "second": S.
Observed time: {"hour": 4, "minute": 44, "second": 26}
